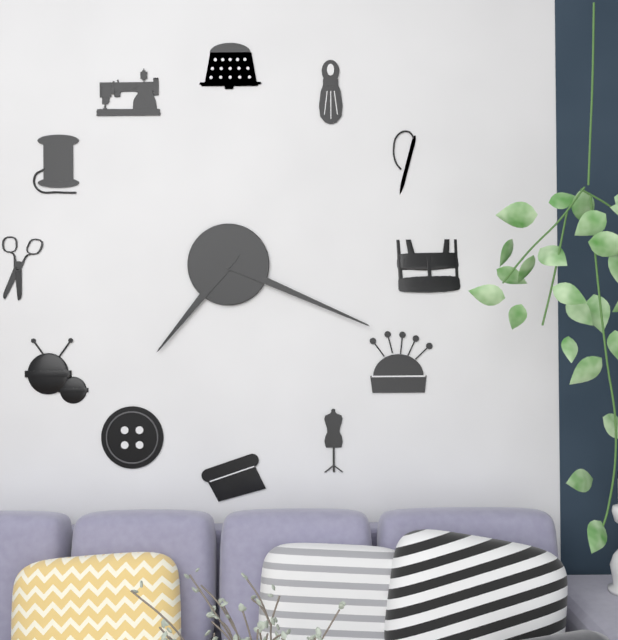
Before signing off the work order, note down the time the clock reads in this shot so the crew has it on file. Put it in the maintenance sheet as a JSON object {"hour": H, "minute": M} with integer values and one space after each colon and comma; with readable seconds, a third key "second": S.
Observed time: {"hour": 7, "minute": 19}
